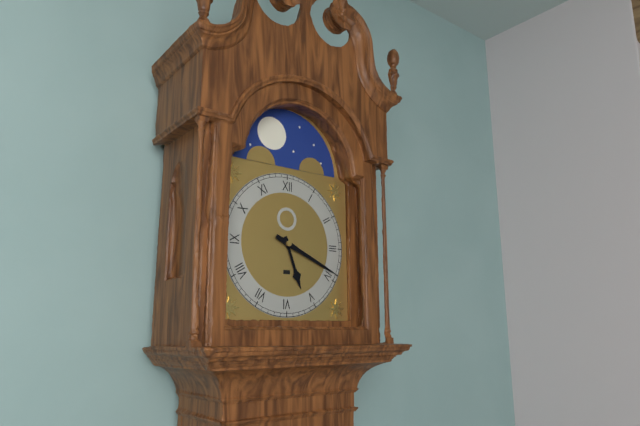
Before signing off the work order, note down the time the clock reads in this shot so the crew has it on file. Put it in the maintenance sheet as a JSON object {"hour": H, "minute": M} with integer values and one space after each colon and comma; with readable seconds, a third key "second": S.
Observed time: {"hour": 5, "minute": 19}
